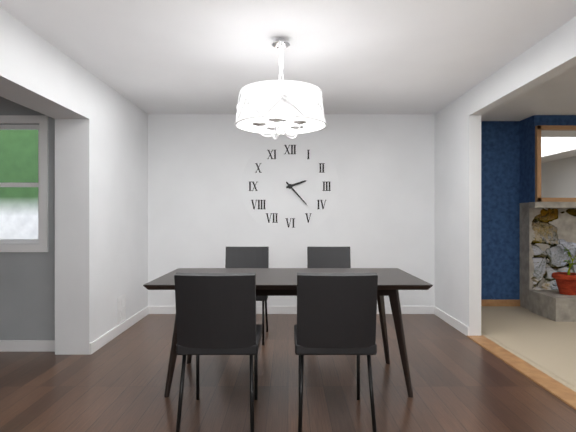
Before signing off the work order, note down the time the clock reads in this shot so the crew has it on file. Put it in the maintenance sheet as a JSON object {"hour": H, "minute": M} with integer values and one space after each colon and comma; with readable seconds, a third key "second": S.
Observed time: {"hour": 2, "minute": 23}
